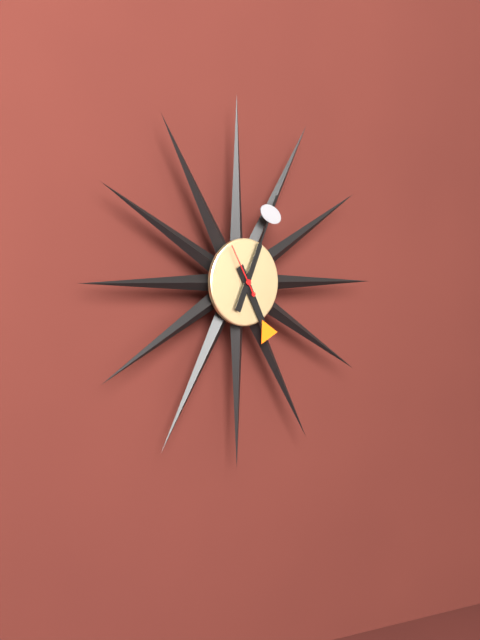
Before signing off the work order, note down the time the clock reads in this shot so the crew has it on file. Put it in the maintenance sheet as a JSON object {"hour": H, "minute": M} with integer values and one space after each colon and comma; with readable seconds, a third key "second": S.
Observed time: {"hour": 5, "minute": 4}
